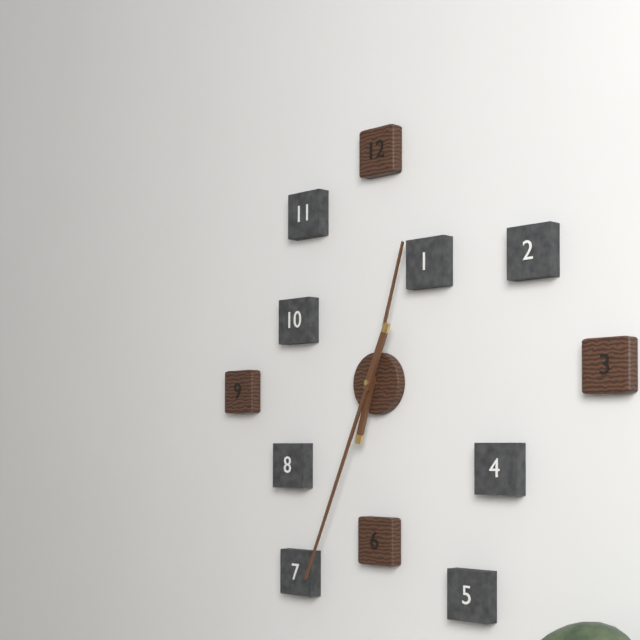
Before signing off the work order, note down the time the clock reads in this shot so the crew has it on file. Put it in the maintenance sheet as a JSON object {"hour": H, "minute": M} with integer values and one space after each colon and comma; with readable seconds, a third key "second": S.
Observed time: {"hour": 12, "minute": 34}
